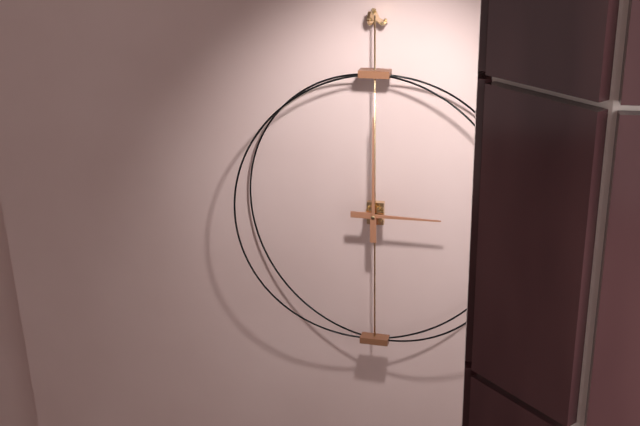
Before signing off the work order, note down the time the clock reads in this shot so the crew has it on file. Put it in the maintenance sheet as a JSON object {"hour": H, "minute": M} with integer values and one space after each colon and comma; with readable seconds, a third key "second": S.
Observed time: {"hour": 3, "minute": 0}
